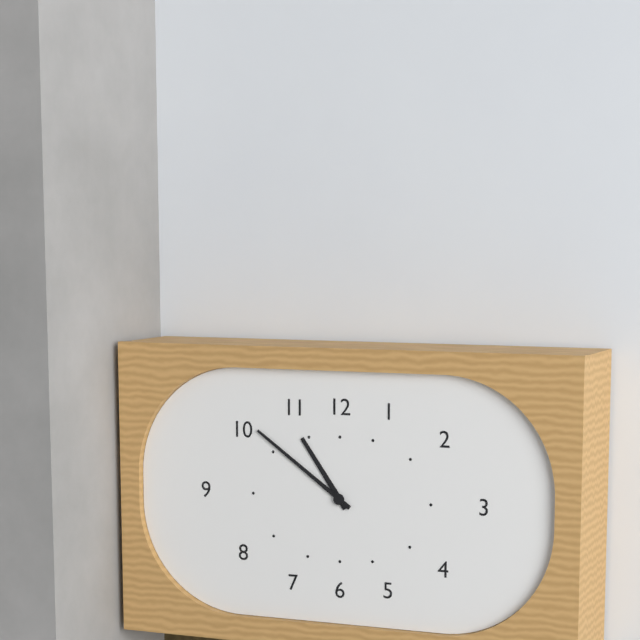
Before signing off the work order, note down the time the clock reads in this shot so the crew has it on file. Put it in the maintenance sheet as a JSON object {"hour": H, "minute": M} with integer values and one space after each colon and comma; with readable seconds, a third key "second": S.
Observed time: {"hour": 10, "minute": 51}
